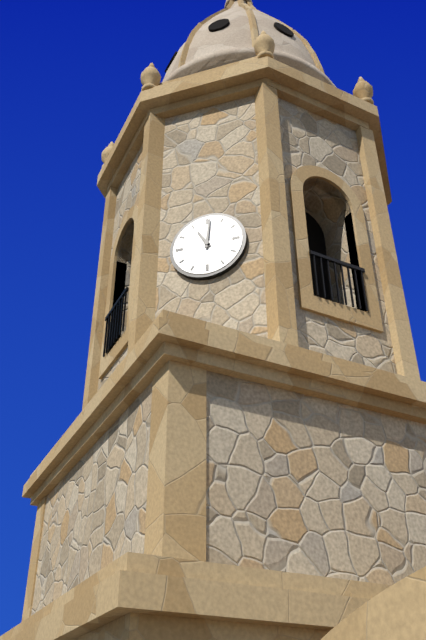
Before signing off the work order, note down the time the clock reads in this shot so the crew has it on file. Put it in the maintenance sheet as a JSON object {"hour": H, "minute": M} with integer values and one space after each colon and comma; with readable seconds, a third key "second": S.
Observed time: {"hour": 11, "minute": 1}
